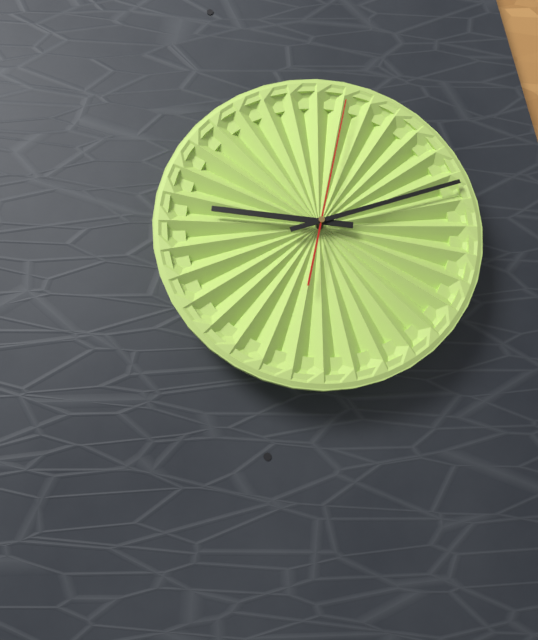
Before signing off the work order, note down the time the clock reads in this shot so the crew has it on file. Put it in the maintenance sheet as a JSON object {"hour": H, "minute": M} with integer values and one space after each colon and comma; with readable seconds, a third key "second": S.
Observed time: {"hour": 9, "minute": 12, "second": 2}
